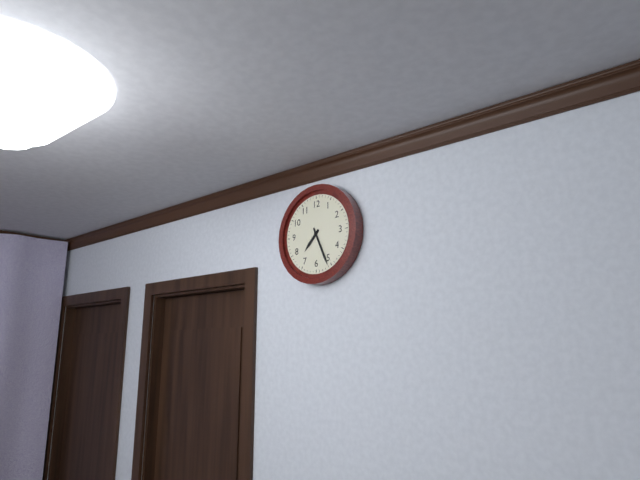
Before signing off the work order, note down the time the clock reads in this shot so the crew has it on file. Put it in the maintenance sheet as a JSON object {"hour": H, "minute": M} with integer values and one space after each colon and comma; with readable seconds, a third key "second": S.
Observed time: {"hour": 7, "minute": 26}
